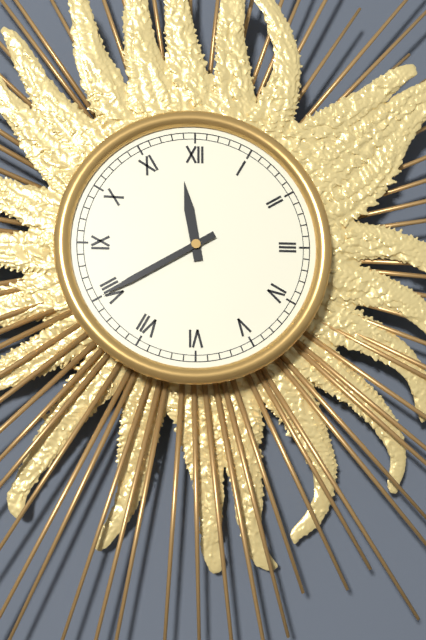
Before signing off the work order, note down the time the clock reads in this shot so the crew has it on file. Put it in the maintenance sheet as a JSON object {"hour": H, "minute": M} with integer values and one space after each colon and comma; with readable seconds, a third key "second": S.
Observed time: {"hour": 11, "minute": 40}
